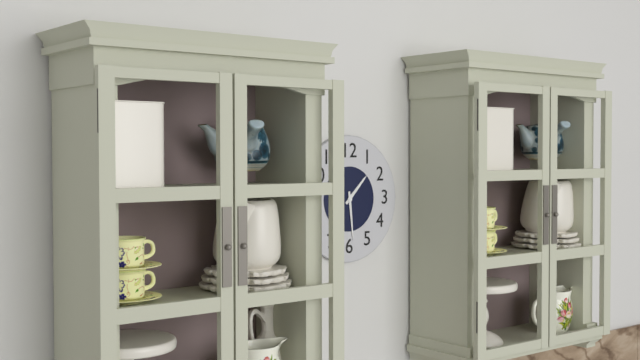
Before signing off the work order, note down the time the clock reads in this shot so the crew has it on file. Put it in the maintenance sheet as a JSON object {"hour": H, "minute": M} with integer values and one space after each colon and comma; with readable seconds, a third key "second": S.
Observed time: {"hour": 1, "minute": 29}
